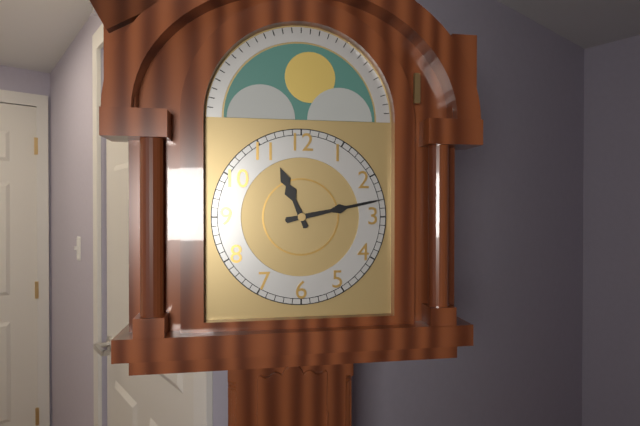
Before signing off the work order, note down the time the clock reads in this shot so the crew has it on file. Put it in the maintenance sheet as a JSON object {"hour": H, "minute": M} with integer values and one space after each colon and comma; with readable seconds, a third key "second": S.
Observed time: {"hour": 11, "minute": 13}
